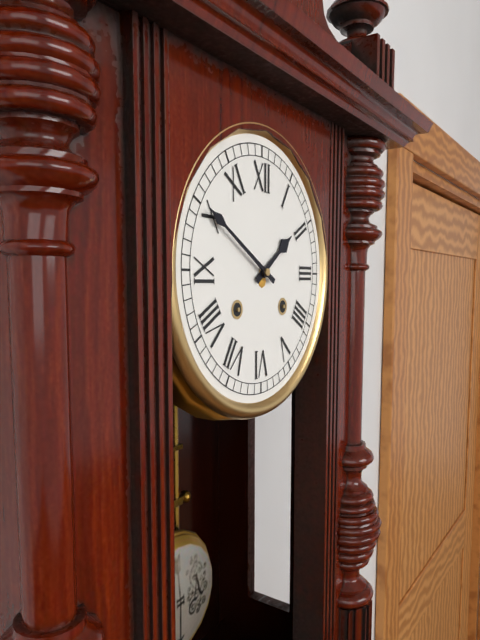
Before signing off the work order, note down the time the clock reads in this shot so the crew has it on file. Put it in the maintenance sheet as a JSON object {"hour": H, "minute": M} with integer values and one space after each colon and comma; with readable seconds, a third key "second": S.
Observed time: {"hour": 1, "minute": 50}
